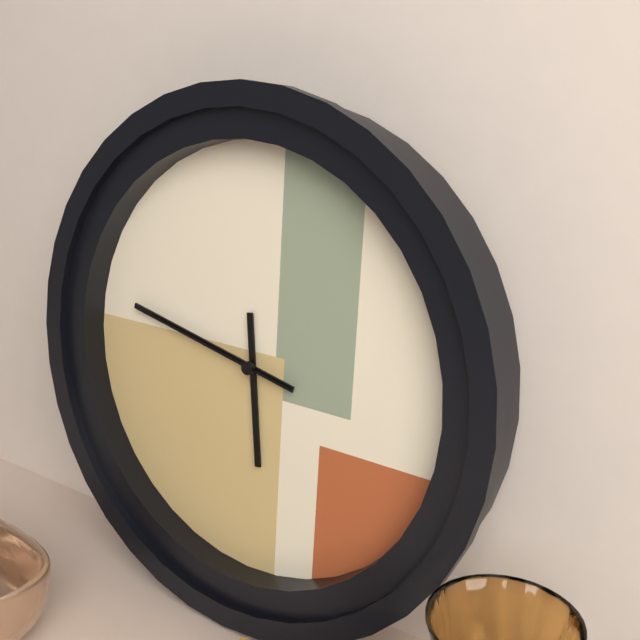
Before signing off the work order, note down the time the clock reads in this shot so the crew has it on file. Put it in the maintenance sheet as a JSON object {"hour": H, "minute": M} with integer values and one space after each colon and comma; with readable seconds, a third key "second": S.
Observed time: {"hour": 5, "minute": 47, "second": 47}
